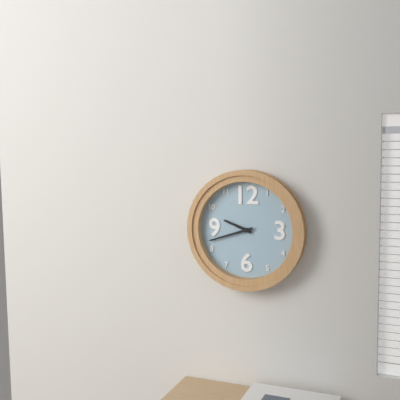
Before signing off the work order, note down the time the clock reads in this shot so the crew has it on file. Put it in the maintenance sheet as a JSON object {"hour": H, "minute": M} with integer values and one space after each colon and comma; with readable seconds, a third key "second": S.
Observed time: {"hour": 9, "minute": 42}
